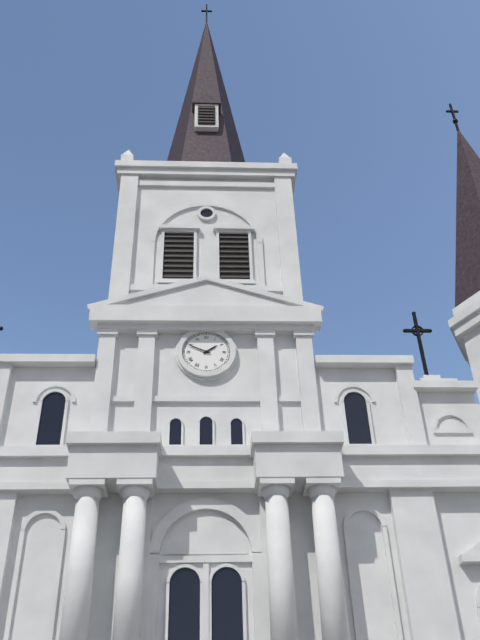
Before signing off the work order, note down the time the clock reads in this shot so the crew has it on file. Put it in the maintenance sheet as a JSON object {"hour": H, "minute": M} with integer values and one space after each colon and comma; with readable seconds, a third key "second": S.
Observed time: {"hour": 1, "minute": 49}
